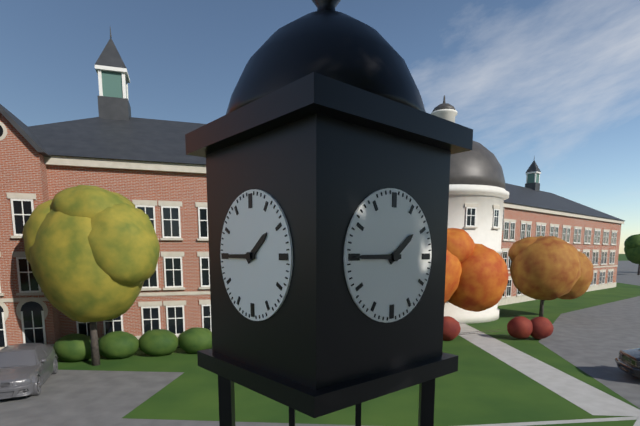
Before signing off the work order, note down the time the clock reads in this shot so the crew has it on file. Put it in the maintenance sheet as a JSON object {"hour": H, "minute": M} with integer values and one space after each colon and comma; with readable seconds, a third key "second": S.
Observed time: {"hour": 1, "minute": 45}
